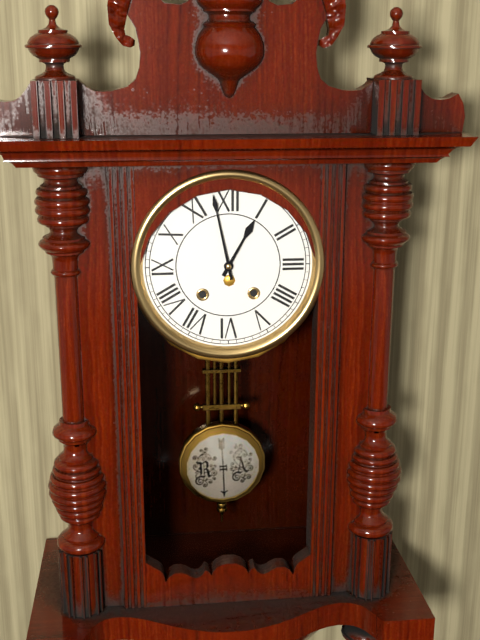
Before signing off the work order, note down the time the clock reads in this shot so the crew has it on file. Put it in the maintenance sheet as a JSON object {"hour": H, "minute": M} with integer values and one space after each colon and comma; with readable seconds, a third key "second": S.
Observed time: {"hour": 12, "minute": 58}
